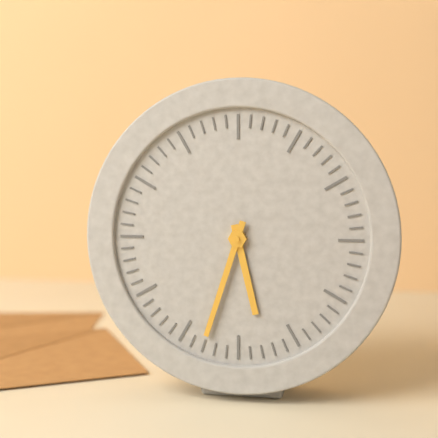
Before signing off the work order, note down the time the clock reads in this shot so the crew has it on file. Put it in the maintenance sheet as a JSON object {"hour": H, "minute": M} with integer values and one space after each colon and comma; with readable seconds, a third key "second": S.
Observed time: {"hour": 5, "minute": 33}
